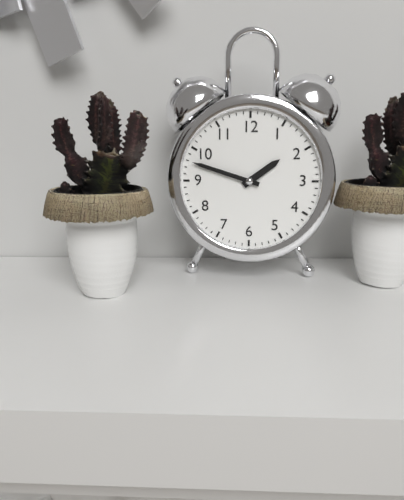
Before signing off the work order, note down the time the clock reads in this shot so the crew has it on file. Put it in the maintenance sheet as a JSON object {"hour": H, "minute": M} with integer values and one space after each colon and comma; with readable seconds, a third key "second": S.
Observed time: {"hour": 1, "minute": 48}
